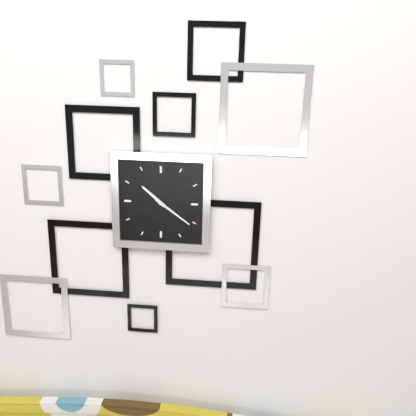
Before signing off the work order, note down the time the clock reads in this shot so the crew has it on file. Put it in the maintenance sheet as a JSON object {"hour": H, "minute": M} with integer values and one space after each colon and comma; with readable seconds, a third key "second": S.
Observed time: {"hour": 10, "minute": 21}
